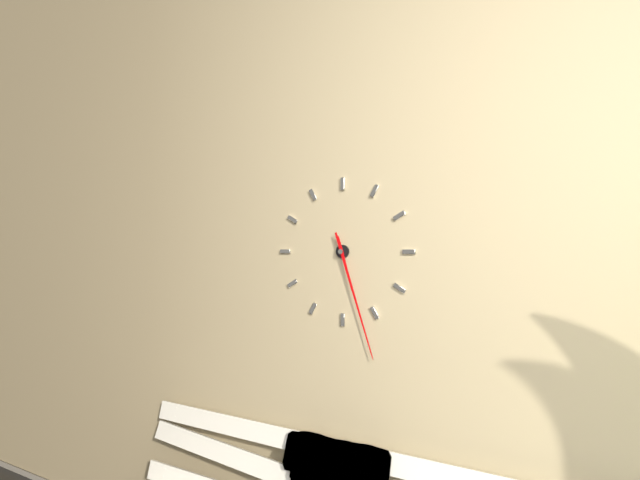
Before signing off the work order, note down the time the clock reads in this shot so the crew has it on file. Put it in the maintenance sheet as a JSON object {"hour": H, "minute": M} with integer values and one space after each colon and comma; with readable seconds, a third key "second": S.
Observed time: {"hour": 5, "minute": 27}
